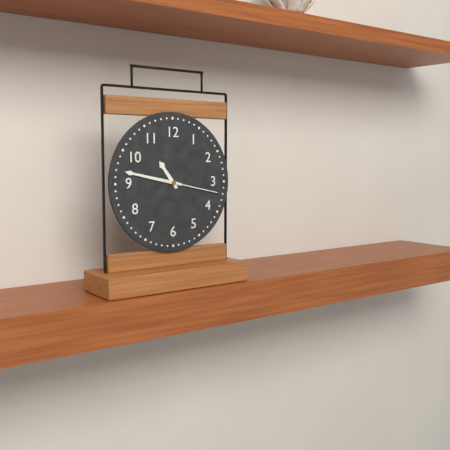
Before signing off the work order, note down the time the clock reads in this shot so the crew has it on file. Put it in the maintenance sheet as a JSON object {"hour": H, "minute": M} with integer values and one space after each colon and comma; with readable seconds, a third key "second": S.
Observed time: {"hour": 10, "minute": 47, "second": 17}
